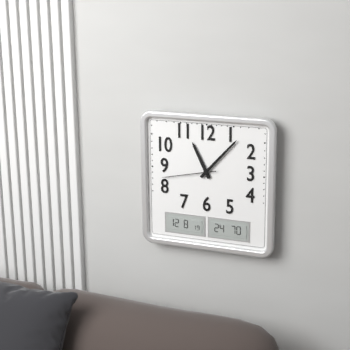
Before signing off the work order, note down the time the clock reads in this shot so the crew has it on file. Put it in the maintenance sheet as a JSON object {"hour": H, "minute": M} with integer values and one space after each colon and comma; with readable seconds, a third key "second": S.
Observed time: {"hour": 11, "minute": 7, "second": 43}
